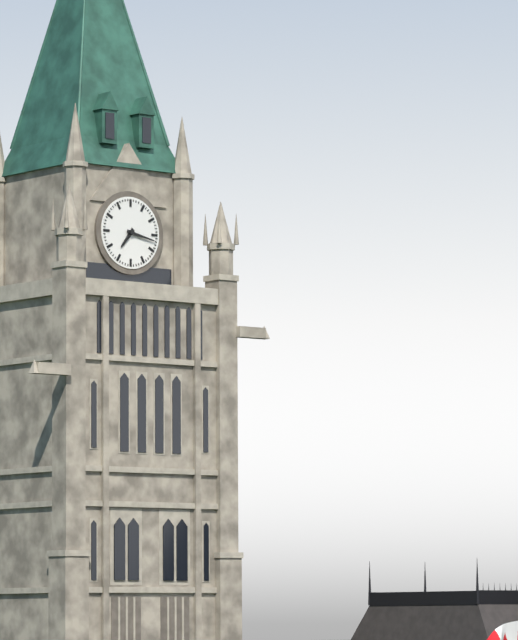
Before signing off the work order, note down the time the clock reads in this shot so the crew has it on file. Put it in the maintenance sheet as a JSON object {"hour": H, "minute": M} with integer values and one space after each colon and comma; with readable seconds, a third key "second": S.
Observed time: {"hour": 7, "minute": 17}
